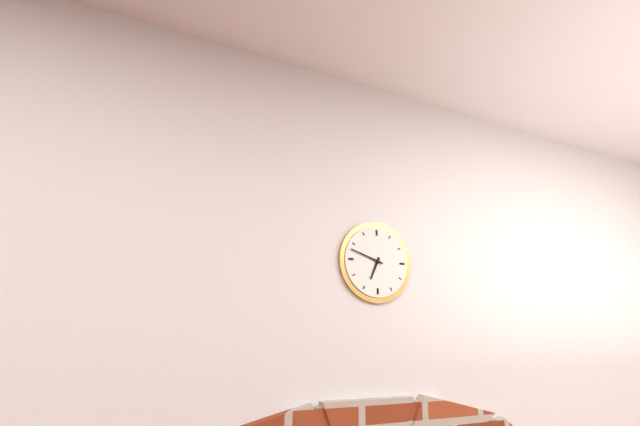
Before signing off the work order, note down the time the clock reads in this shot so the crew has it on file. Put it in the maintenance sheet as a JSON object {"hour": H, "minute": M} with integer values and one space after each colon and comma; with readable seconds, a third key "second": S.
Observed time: {"hour": 6, "minute": 48}
